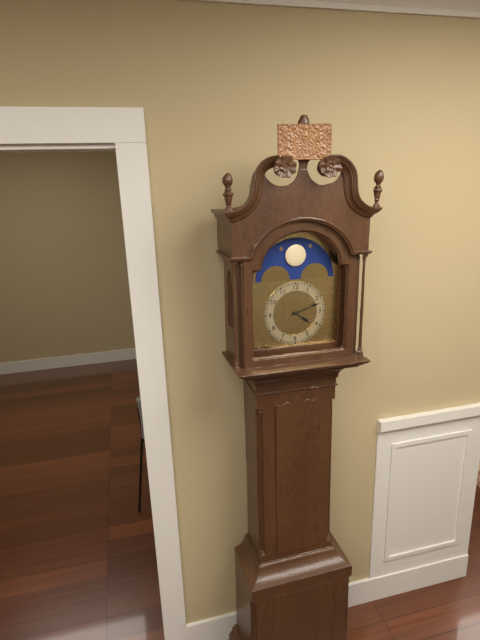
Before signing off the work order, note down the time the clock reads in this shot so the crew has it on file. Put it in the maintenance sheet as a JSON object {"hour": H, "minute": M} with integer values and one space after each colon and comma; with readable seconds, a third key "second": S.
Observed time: {"hour": 4, "minute": 12}
